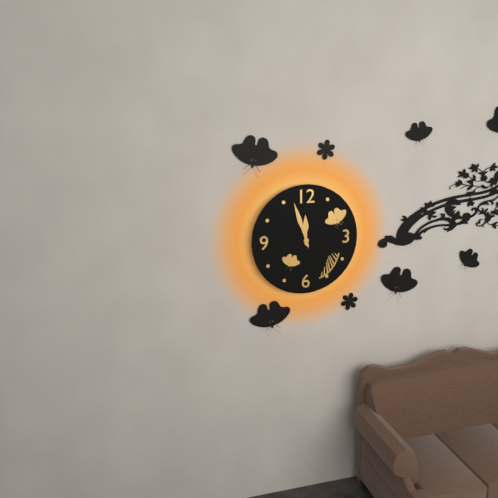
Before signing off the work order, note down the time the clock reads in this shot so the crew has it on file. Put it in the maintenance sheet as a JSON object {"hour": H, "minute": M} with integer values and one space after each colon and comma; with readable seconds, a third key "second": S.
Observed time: {"hour": 11, "minute": 57}
